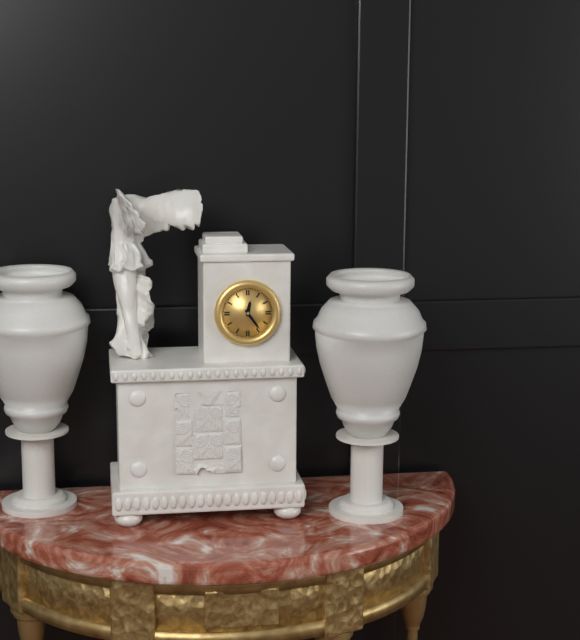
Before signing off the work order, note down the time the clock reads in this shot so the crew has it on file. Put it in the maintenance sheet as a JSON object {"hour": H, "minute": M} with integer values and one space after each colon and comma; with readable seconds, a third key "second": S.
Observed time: {"hour": 12, "minute": 24}
